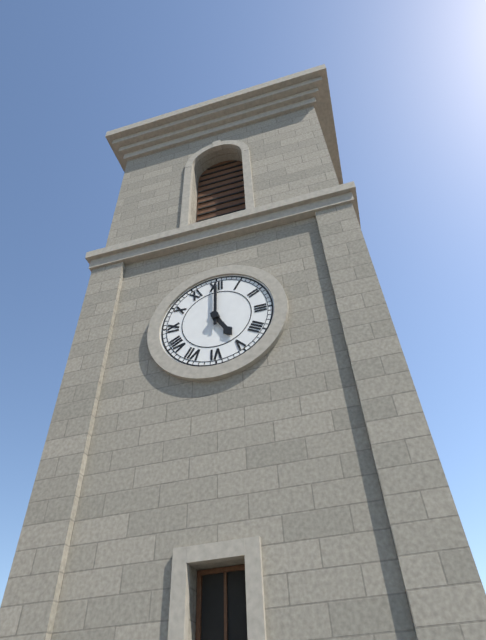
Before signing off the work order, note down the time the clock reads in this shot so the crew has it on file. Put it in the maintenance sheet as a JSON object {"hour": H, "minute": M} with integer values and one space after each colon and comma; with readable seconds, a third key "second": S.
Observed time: {"hour": 5, "minute": 0}
